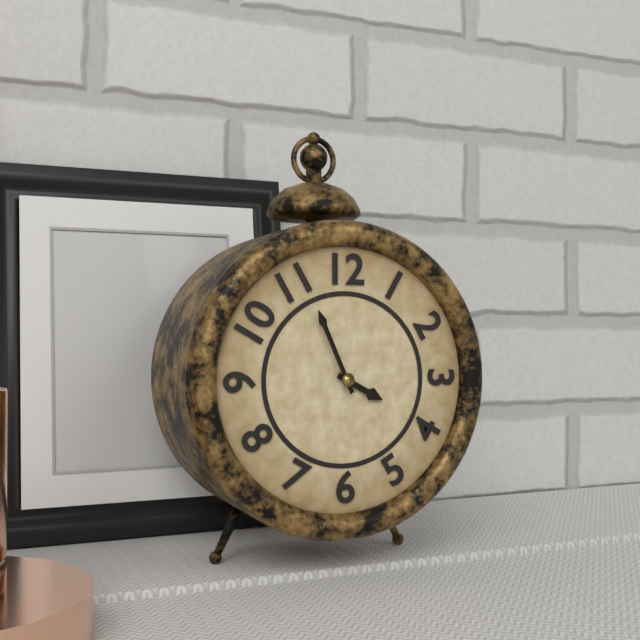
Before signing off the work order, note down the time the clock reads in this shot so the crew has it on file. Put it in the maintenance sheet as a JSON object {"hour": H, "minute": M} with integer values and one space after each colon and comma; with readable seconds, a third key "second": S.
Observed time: {"hour": 3, "minute": 56}
